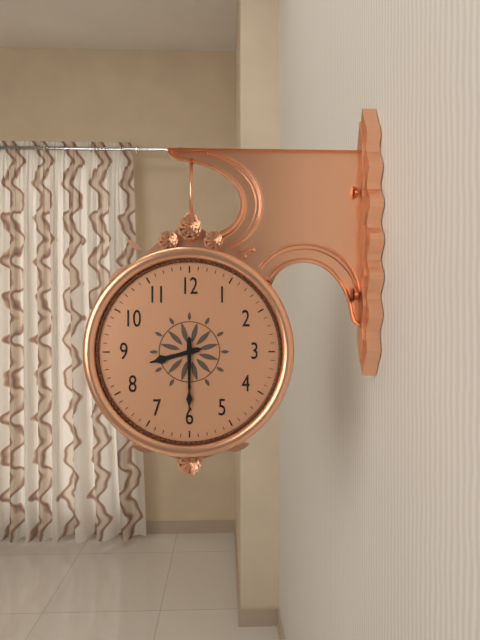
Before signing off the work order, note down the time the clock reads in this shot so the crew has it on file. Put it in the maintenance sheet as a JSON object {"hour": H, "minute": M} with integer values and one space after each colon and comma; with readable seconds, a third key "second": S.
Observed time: {"hour": 8, "minute": 30}
